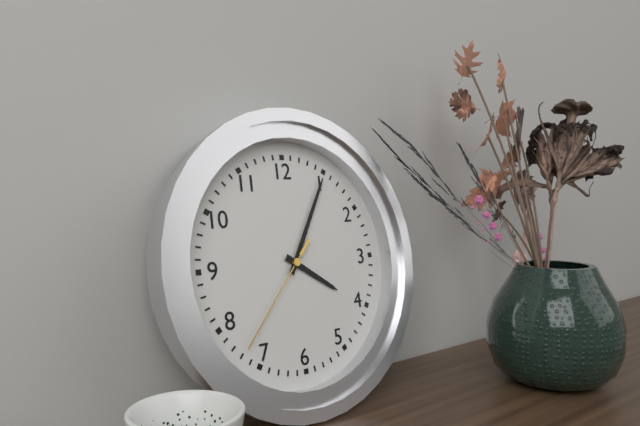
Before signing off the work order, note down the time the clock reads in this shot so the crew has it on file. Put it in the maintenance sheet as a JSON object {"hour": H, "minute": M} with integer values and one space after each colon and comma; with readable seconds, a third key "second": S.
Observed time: {"hour": 4, "minute": 5, "second": 37}
